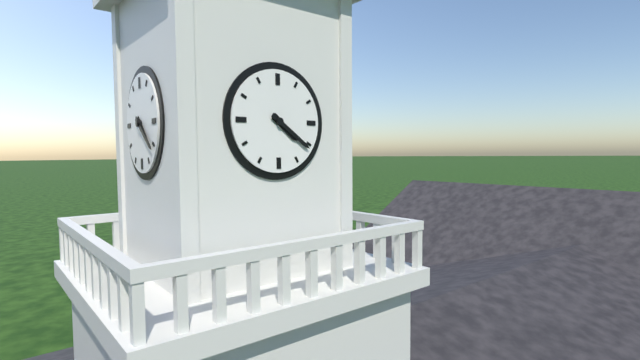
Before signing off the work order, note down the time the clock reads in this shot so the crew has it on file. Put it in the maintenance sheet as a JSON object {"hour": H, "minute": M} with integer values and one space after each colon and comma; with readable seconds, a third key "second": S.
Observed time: {"hour": 4, "minute": 21}
